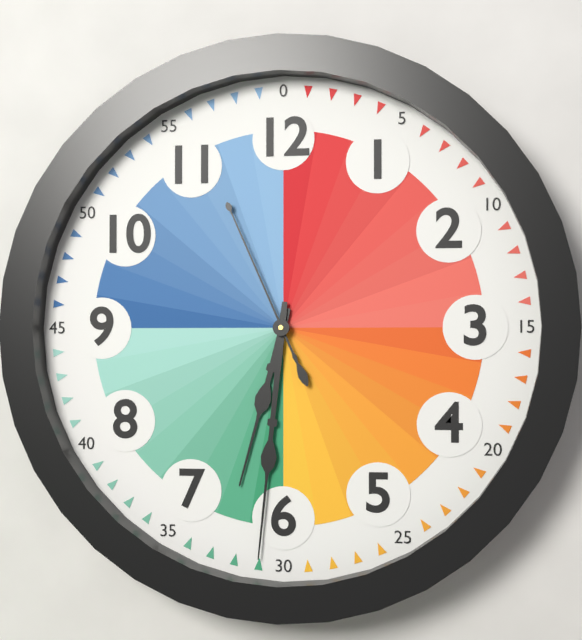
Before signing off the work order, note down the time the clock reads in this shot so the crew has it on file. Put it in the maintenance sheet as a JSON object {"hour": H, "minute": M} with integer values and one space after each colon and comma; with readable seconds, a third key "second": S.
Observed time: {"hour": 6, "minute": 31, "second": 56}
